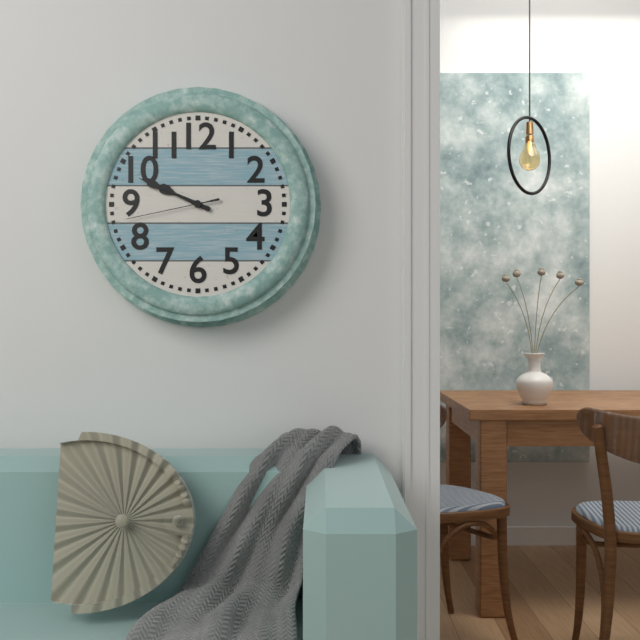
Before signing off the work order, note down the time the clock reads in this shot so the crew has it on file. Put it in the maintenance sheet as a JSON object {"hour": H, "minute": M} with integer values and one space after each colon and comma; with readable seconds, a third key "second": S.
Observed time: {"hour": 9, "minute": 49, "second": 43}
